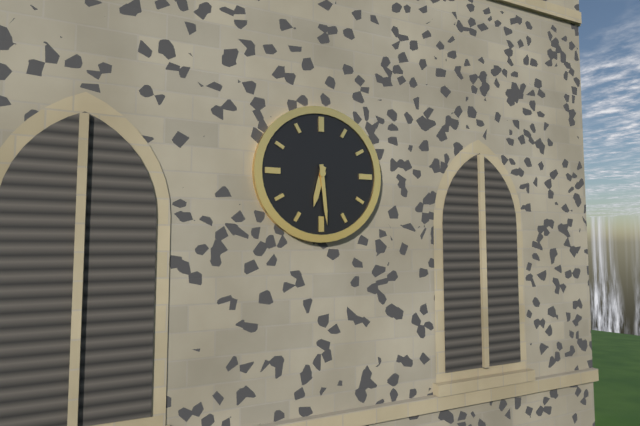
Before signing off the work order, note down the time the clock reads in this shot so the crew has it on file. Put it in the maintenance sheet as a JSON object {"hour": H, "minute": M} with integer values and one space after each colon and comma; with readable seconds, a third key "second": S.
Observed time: {"hour": 6, "minute": 29}
